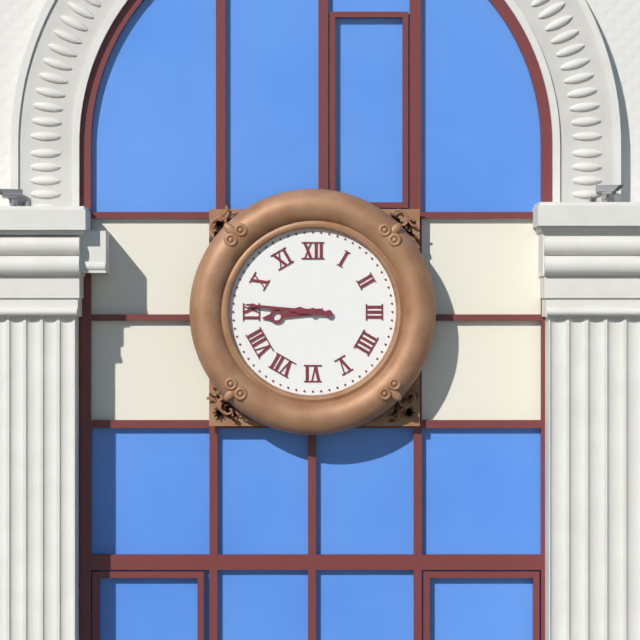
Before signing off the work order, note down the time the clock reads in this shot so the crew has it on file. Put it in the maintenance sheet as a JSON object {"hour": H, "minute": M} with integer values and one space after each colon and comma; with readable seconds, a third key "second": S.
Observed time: {"hour": 8, "minute": 46}
